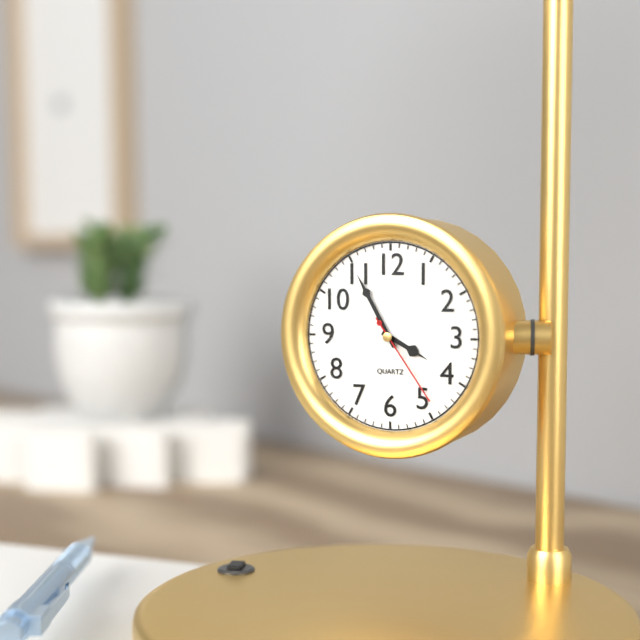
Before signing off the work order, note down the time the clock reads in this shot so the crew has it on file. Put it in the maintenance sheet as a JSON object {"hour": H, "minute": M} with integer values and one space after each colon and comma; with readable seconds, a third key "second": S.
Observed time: {"hour": 3, "minute": 55, "second": 24}
